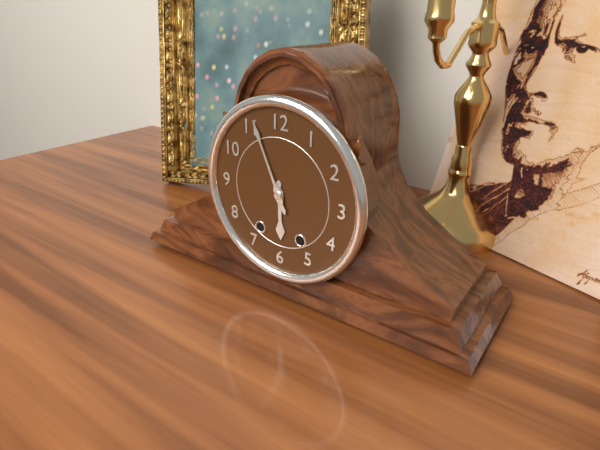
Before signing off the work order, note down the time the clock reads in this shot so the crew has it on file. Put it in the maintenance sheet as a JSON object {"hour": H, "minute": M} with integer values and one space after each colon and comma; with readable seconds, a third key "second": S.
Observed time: {"hour": 5, "minute": 56}
